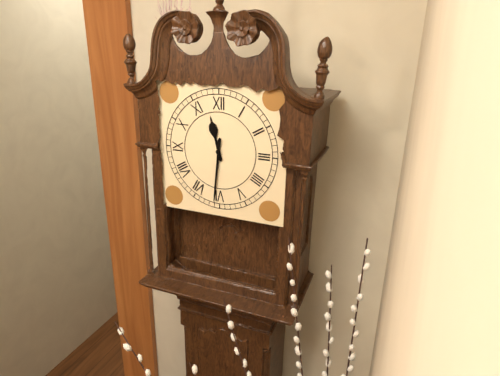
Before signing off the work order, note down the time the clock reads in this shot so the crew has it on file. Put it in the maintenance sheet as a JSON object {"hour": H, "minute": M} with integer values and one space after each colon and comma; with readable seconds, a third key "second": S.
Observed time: {"hour": 11, "minute": 31}
